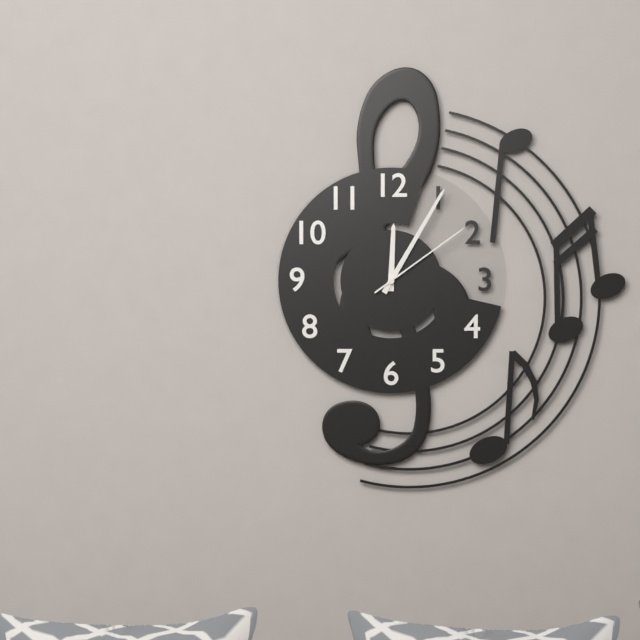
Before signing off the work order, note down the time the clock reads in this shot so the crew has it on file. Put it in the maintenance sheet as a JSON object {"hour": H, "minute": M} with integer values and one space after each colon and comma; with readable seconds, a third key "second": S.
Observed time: {"hour": 12, "minute": 5, "second": 9}
